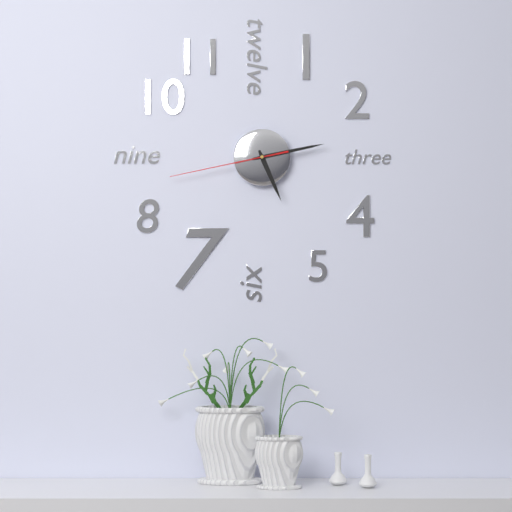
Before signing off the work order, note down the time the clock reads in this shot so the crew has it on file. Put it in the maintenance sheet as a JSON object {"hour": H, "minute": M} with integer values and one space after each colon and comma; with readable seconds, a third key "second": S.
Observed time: {"hour": 5, "minute": 13, "second": 43}
